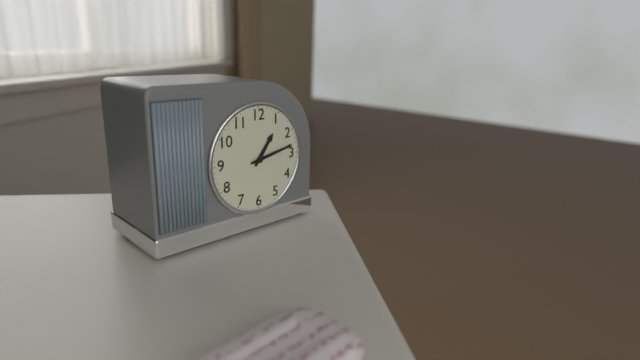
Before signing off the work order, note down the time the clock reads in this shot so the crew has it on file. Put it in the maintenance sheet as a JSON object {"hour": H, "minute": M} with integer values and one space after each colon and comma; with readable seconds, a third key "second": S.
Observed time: {"hour": 1, "minute": 13}
